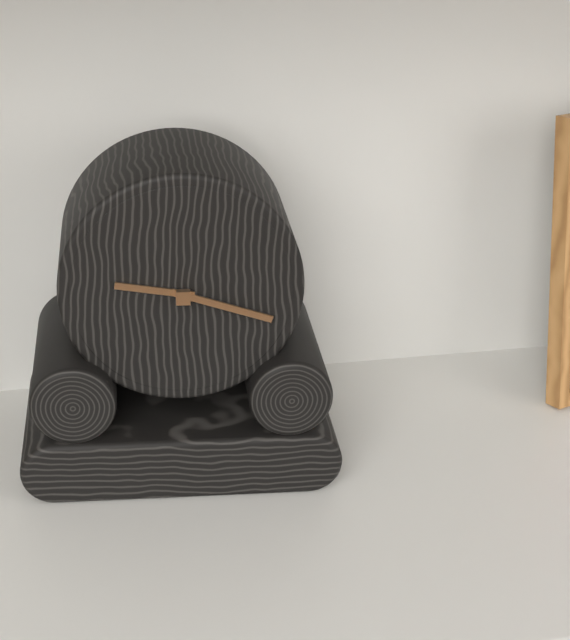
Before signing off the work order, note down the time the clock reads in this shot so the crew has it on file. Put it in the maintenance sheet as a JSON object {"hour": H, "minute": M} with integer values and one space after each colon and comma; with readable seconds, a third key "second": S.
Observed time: {"hour": 9, "minute": 18}
